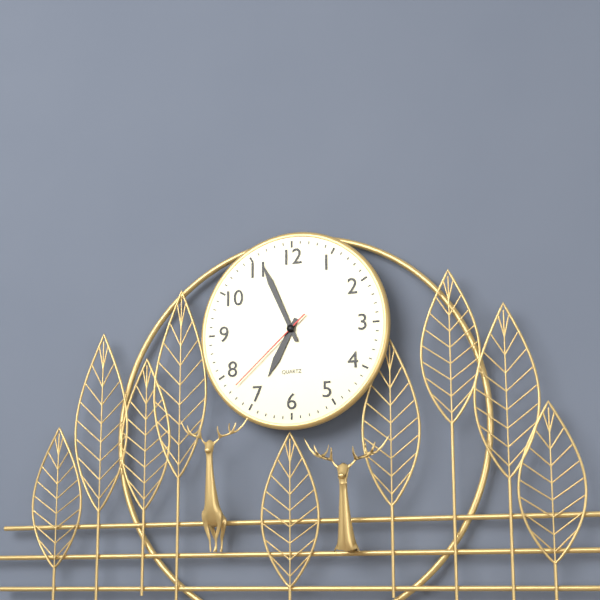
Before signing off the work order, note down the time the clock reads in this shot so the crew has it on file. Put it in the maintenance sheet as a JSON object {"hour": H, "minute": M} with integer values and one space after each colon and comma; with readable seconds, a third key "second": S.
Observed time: {"hour": 6, "minute": 56, "second": 38}
